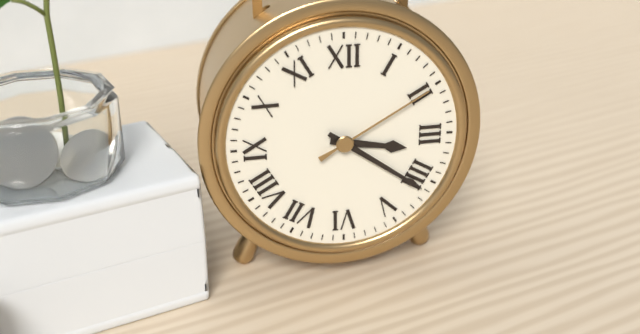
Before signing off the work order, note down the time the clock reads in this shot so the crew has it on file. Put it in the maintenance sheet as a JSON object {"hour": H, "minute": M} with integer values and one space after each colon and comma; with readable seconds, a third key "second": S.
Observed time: {"hour": 3, "minute": 21, "second": 10}
